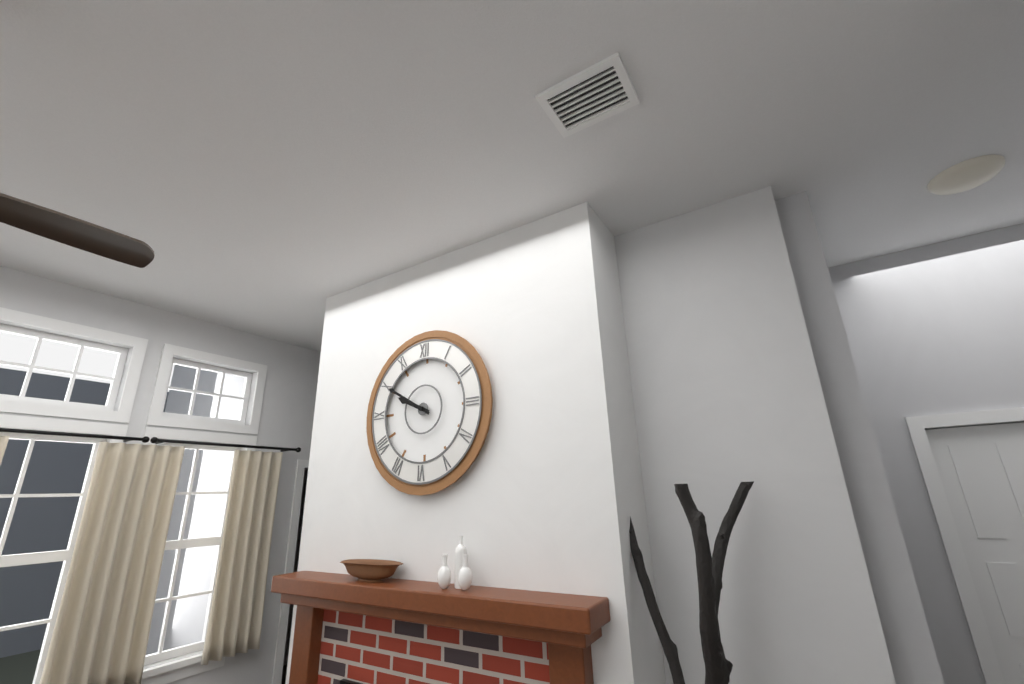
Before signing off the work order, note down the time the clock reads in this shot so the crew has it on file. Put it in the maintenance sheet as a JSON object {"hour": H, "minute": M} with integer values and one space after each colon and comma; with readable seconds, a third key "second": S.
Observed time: {"hour": 9, "minute": 50}
